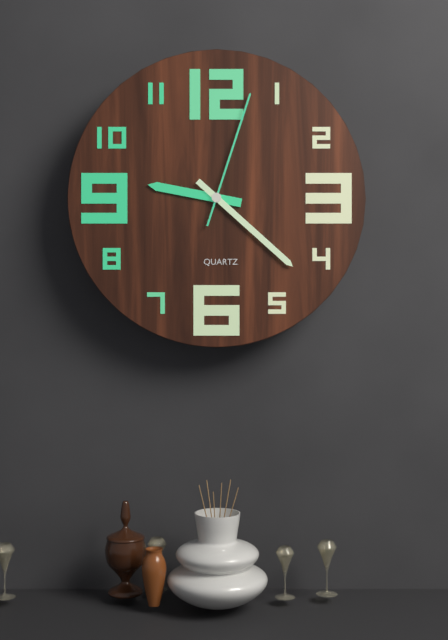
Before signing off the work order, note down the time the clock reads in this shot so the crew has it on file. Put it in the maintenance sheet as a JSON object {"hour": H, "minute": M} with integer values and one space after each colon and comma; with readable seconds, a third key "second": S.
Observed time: {"hour": 9, "minute": 22, "second": 3}
